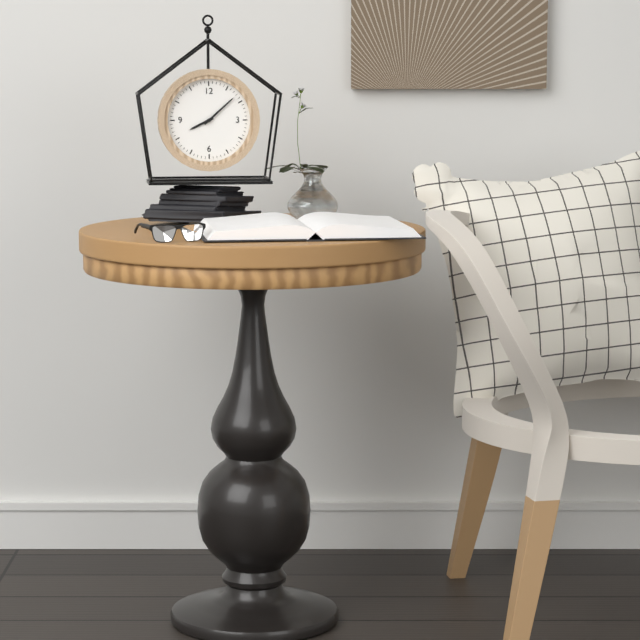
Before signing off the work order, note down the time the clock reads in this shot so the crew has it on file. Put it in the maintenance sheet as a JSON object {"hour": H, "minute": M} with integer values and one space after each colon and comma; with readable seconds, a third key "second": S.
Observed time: {"hour": 8, "minute": 8}
